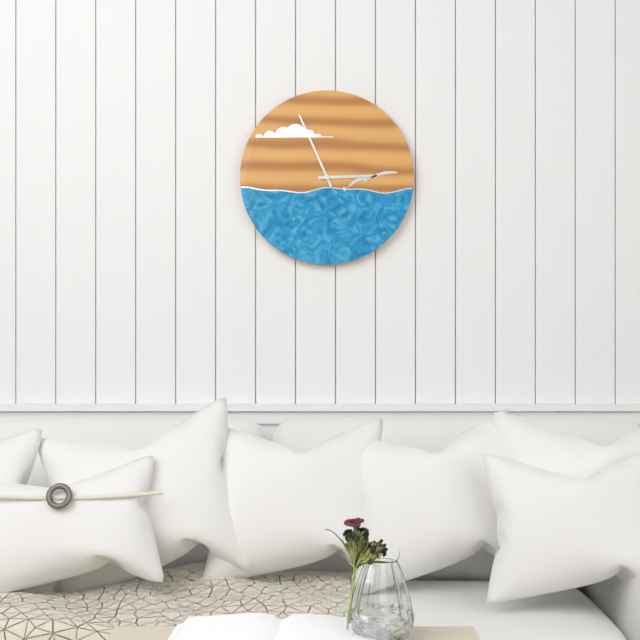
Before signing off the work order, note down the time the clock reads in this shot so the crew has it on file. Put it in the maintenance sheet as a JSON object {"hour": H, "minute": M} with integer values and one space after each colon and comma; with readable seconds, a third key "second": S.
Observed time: {"hour": 2, "minute": 56}
